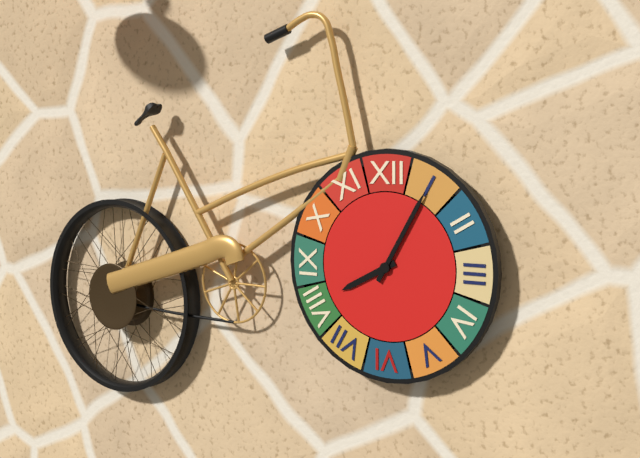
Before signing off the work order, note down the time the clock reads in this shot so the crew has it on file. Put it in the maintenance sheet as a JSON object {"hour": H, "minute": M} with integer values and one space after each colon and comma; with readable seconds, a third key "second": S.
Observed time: {"hour": 8, "minute": 5}
